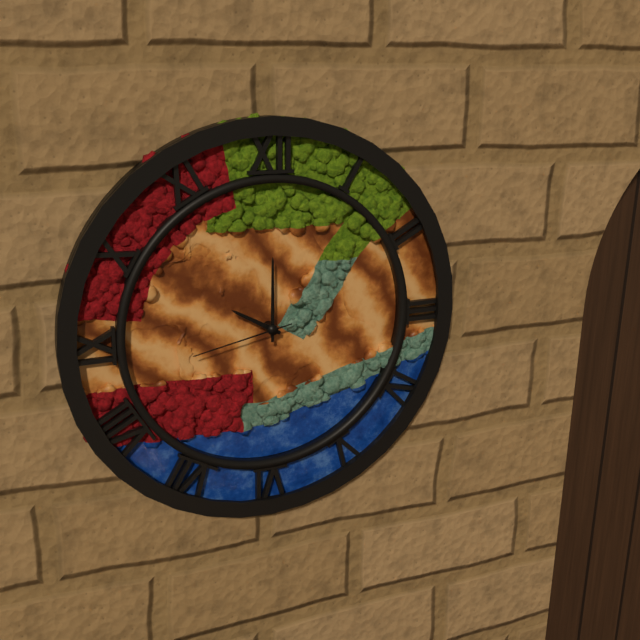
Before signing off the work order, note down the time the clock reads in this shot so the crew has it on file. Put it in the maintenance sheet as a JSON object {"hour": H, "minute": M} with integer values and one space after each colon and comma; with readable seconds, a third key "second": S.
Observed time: {"hour": 10, "minute": 0, "second": 43}
